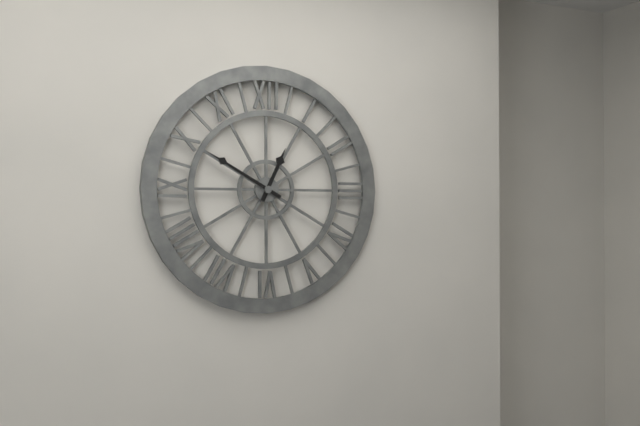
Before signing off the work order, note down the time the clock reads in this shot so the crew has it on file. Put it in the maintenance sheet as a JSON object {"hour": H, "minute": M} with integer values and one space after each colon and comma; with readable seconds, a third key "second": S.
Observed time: {"hour": 12, "minute": 50}
